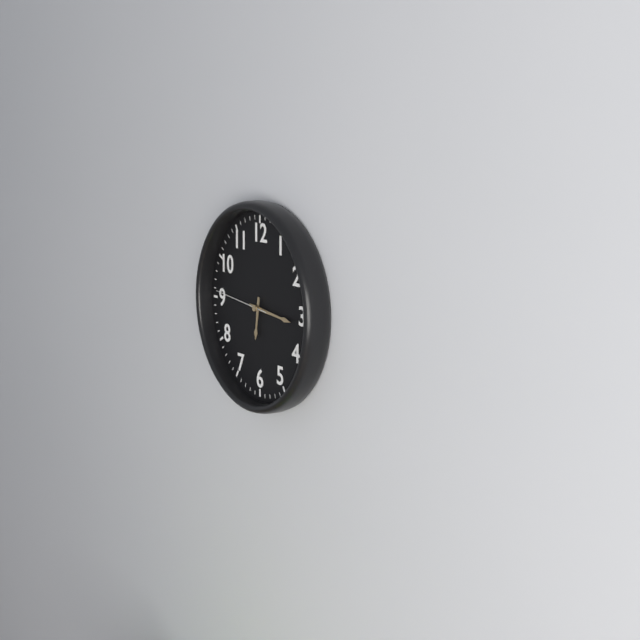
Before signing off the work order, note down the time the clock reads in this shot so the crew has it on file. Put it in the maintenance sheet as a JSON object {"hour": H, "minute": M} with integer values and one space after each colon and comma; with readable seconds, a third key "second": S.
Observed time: {"hour": 6, "minute": 16, "second": 46}
